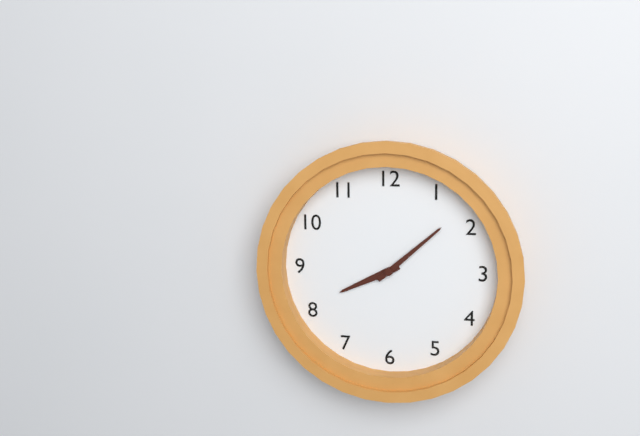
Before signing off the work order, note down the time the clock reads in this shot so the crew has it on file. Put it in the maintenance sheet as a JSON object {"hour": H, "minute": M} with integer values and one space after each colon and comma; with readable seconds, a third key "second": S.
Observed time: {"hour": 8, "minute": 8}
